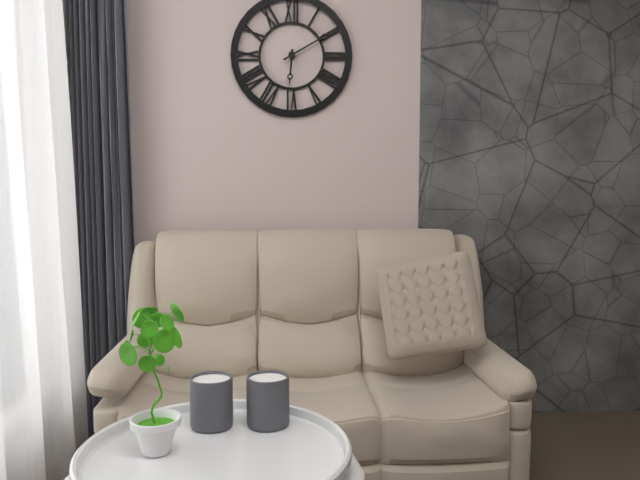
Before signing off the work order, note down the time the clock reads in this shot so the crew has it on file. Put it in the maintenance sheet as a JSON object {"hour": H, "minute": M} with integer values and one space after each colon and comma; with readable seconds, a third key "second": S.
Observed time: {"hour": 6, "minute": 10}
